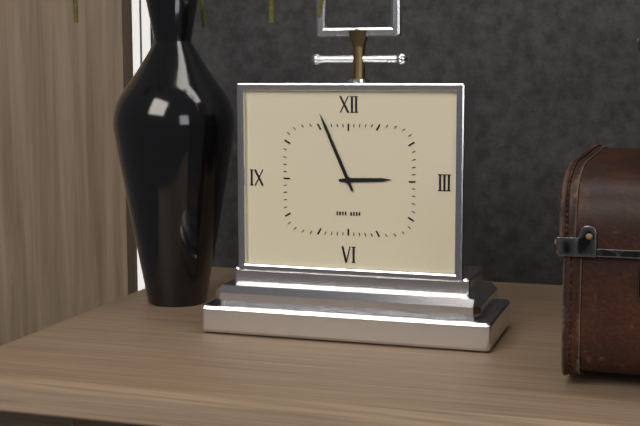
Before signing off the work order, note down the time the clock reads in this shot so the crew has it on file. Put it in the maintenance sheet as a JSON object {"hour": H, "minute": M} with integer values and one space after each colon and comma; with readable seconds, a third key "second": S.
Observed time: {"hour": 2, "minute": 56}
